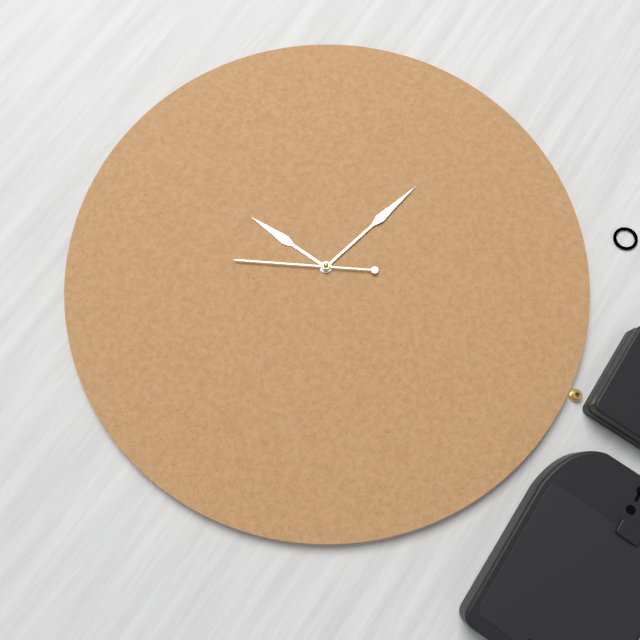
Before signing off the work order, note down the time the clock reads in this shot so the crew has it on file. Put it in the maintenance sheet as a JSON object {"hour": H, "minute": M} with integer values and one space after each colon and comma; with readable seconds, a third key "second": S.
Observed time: {"hour": 9, "minute": 2, "second": 40}
